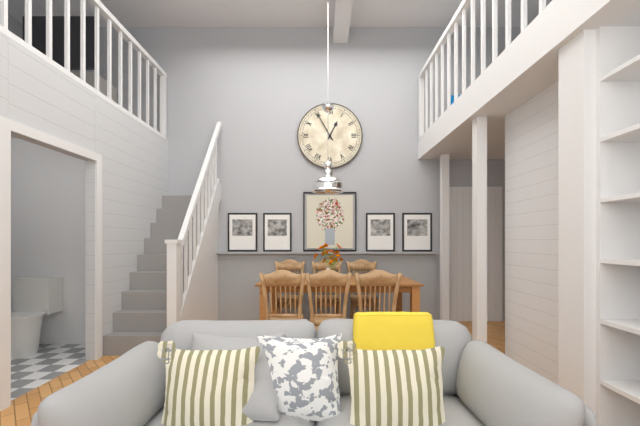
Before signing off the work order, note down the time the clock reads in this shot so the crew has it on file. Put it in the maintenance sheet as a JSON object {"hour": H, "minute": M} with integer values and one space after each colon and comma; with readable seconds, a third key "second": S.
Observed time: {"hour": 12, "minute": 55}
